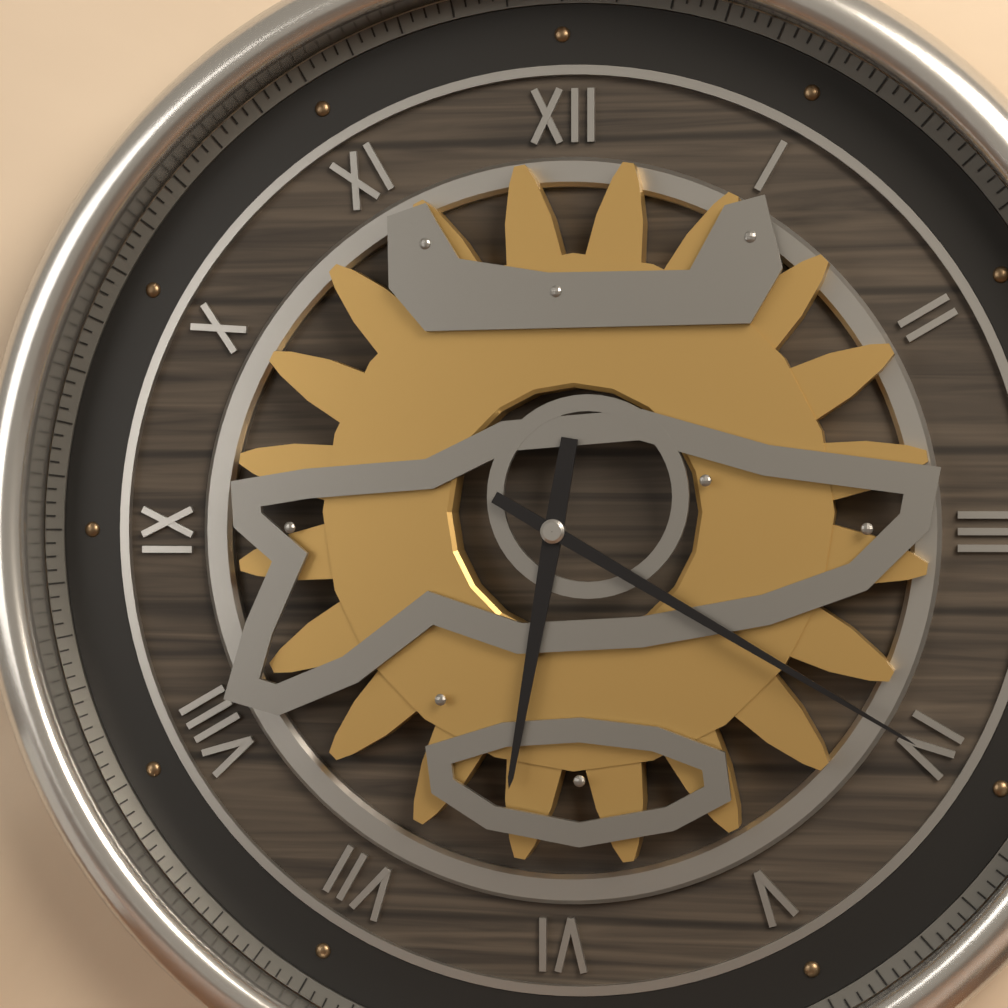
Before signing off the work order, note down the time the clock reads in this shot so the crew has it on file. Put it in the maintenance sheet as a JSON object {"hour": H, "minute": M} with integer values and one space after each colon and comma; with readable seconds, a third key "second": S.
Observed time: {"hour": 6, "minute": 20}
